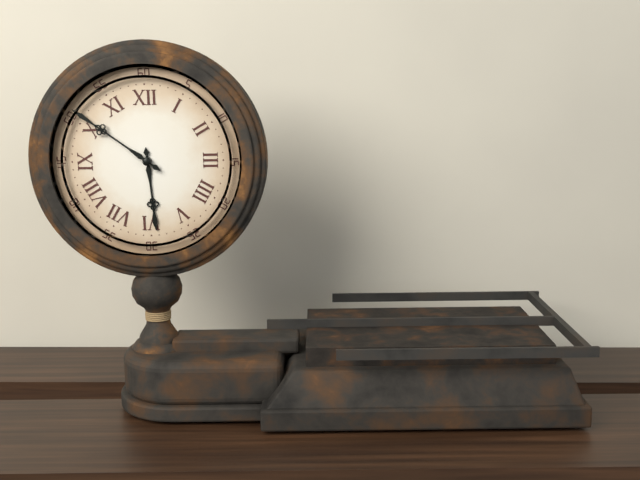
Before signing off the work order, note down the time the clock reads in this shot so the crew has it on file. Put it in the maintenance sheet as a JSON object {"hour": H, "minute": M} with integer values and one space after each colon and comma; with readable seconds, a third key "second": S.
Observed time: {"hour": 5, "minute": 51}
